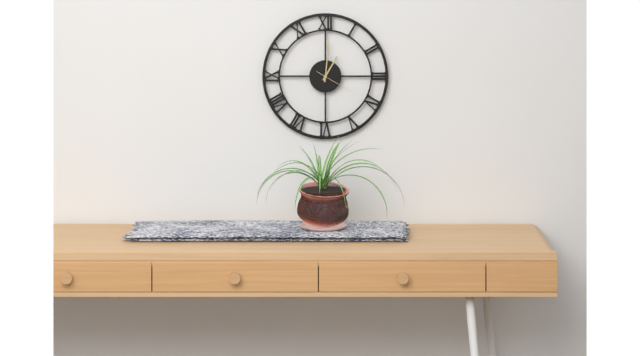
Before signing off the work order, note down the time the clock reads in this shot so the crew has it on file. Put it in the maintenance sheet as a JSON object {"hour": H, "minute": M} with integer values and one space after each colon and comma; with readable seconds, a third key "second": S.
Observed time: {"hour": 1, "minute": 1}
